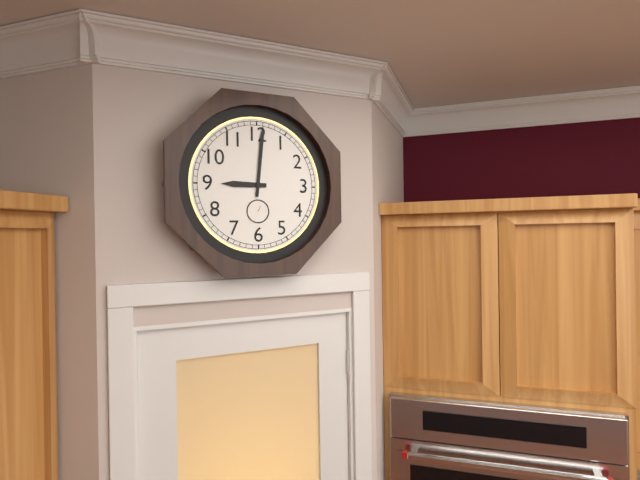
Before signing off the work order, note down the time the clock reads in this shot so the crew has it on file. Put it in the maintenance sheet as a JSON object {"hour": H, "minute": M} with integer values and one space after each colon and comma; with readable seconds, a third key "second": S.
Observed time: {"hour": 9, "minute": 1}
